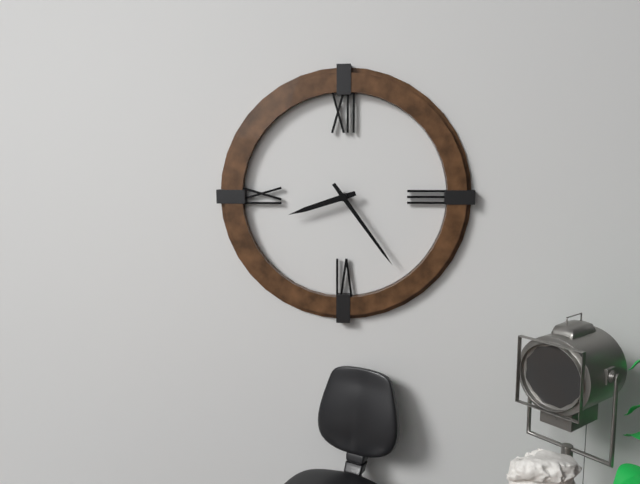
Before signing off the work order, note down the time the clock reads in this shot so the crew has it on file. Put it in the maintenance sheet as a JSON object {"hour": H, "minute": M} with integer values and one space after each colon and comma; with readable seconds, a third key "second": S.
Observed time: {"hour": 8, "minute": 24}
